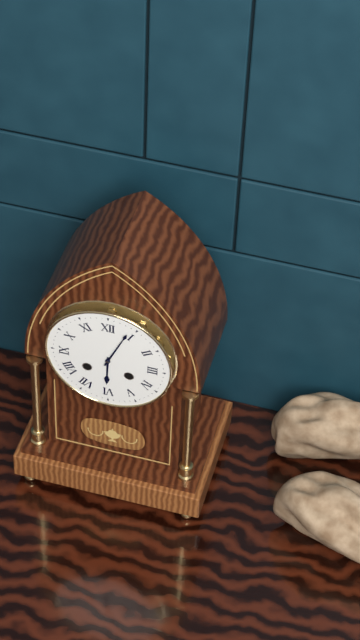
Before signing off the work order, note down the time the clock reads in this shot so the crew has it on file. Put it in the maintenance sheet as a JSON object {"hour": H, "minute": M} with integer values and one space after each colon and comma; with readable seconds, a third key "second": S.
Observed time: {"hour": 6, "minute": 4}
